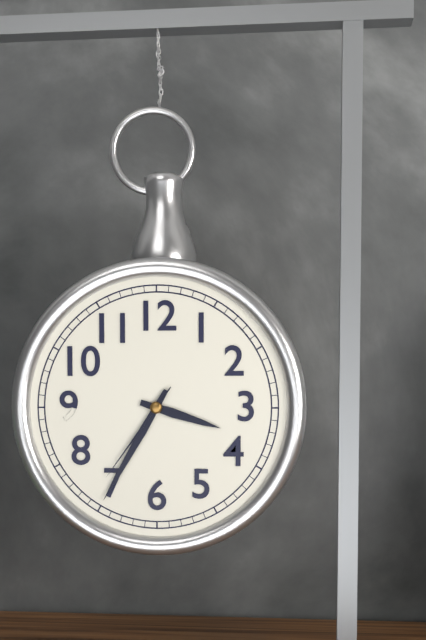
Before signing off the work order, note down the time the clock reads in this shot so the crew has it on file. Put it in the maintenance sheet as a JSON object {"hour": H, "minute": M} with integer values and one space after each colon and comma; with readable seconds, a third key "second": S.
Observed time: {"hour": 3, "minute": 35, "second": 36}
